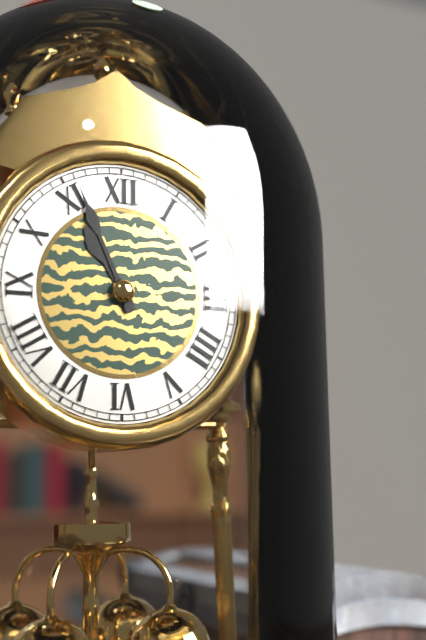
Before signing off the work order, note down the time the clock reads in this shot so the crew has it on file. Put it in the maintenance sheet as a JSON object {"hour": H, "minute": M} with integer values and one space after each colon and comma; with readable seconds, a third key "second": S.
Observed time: {"hour": 10, "minute": 56}
